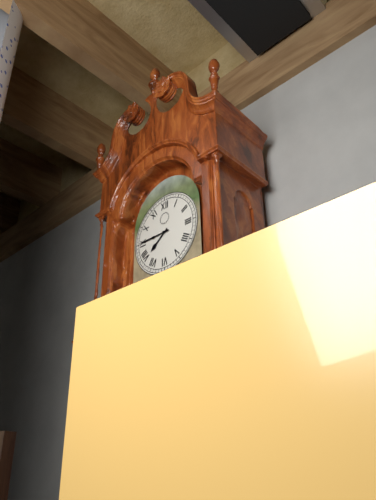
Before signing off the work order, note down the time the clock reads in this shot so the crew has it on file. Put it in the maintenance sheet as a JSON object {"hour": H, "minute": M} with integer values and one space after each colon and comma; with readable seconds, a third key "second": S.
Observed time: {"hour": 7, "minute": 45}
